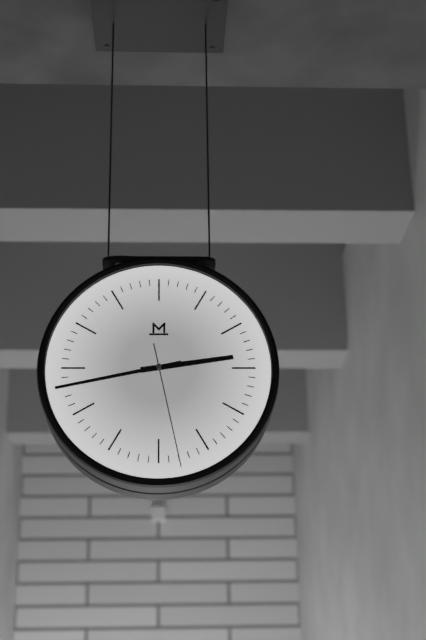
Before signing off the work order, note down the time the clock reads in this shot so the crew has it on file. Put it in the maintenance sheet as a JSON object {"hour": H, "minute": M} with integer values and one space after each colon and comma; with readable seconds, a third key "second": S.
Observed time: {"hour": 2, "minute": 43, "second": 28}
